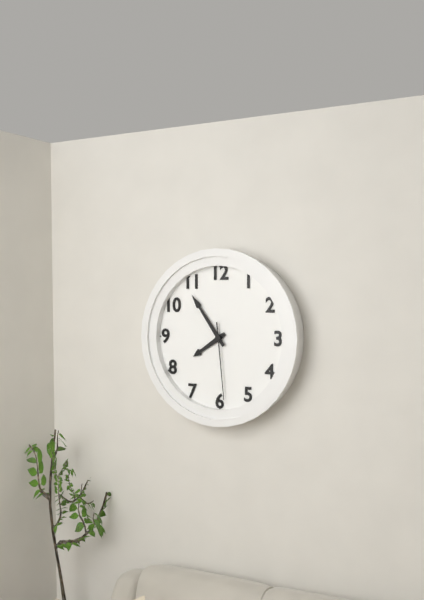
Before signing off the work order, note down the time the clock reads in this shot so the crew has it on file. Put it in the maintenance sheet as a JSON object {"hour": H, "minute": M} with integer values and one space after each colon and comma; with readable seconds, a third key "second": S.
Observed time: {"hour": 7, "minute": 54, "second": 29}
